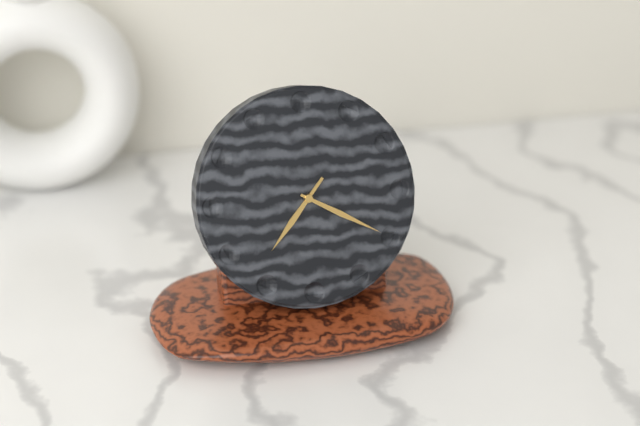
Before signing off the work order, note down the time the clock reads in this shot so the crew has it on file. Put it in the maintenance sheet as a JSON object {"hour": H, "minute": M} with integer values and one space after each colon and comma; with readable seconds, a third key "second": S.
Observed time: {"hour": 7, "minute": 20}
